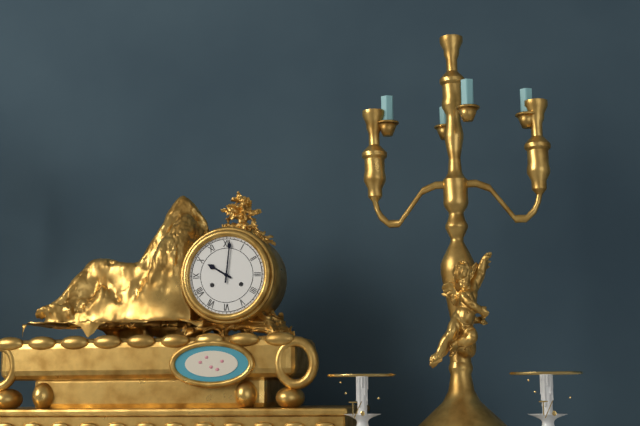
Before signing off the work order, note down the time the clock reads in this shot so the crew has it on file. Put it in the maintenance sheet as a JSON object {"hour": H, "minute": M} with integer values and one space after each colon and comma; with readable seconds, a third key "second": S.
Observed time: {"hour": 10, "minute": 1}
